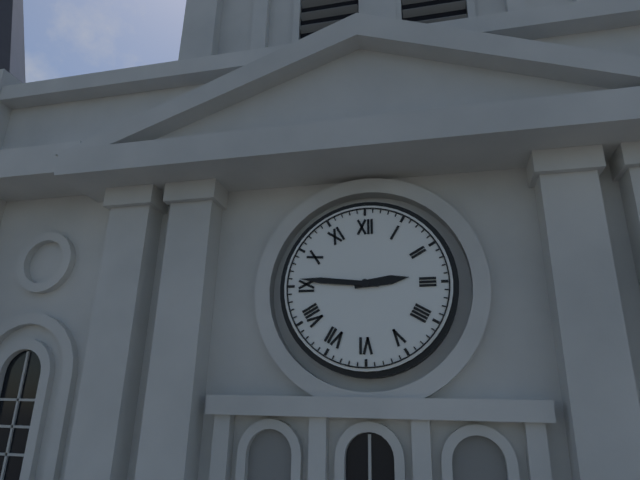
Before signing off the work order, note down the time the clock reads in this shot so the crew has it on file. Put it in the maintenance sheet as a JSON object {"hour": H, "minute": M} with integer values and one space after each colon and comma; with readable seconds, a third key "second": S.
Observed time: {"hour": 2, "minute": 46}
